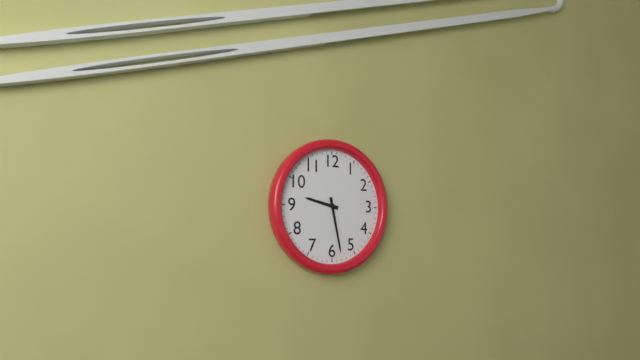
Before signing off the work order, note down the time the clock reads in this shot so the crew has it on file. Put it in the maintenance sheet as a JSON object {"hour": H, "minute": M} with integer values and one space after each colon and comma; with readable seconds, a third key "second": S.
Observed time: {"hour": 9, "minute": 28}
